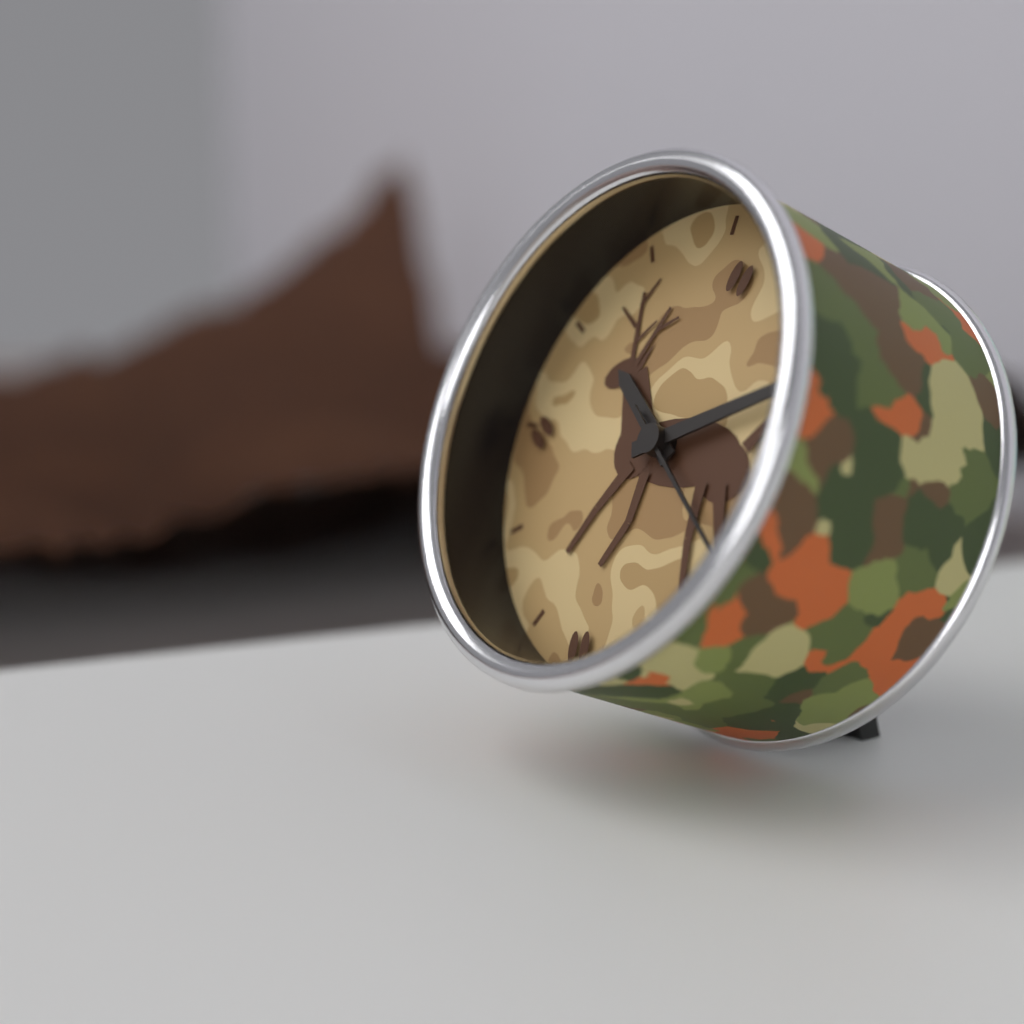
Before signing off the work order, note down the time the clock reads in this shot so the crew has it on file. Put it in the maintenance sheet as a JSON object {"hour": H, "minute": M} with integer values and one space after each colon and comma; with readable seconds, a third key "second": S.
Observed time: {"hour": 10, "minute": 11, "second": 21}
